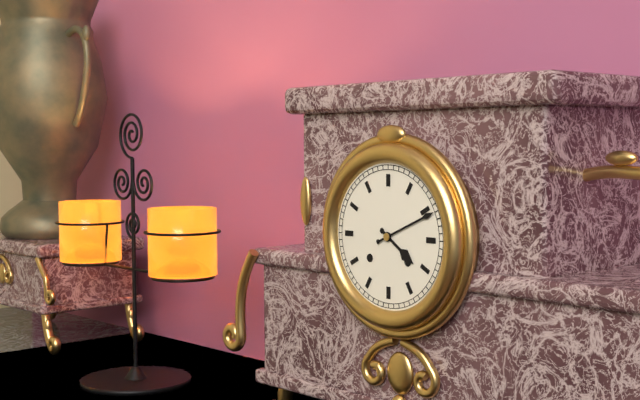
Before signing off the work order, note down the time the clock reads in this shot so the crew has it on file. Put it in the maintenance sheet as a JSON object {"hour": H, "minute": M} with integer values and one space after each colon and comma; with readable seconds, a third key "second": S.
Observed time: {"hour": 4, "minute": 11}
